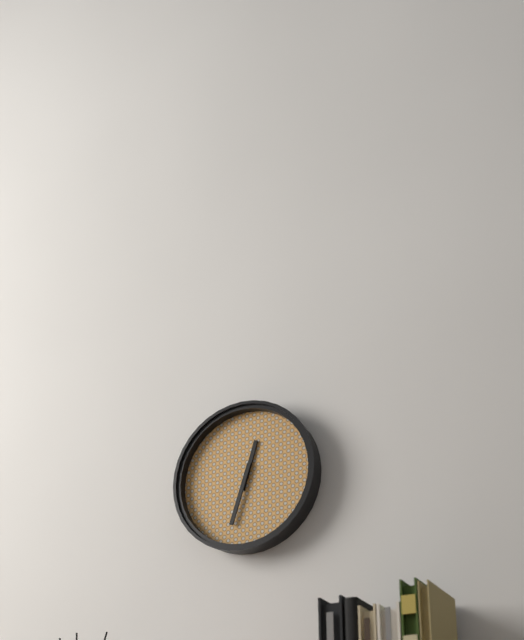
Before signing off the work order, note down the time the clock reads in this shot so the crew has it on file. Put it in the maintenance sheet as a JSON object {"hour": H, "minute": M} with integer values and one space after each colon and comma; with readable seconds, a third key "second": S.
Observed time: {"hour": 12, "minute": 33}
